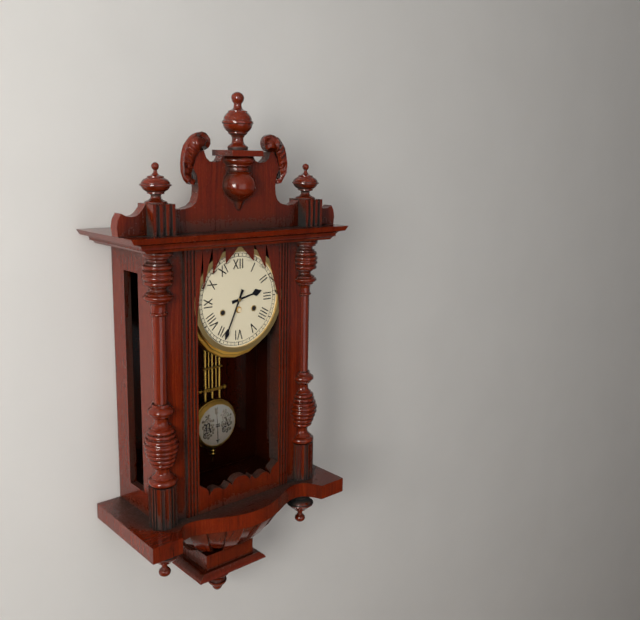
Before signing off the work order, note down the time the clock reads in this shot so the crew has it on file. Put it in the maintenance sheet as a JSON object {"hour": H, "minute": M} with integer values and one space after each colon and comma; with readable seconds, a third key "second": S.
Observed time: {"hour": 2, "minute": 34}
